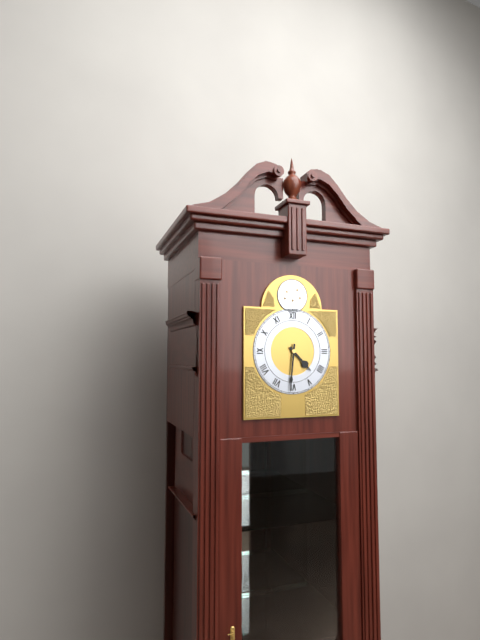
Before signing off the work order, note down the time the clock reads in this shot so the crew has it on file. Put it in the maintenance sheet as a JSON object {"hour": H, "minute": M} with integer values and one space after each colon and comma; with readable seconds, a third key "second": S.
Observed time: {"hour": 4, "minute": 31}
